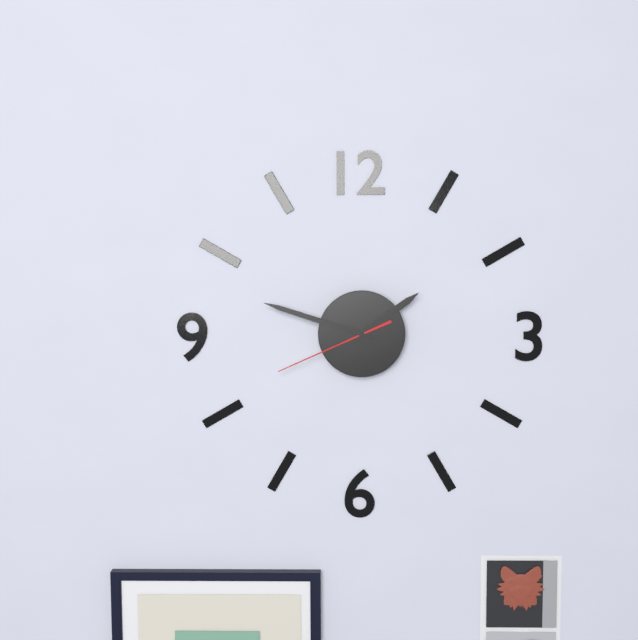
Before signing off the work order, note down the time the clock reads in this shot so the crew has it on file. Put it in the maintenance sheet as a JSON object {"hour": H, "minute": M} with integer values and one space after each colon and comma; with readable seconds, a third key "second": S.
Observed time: {"hour": 1, "minute": 48, "second": 41}
